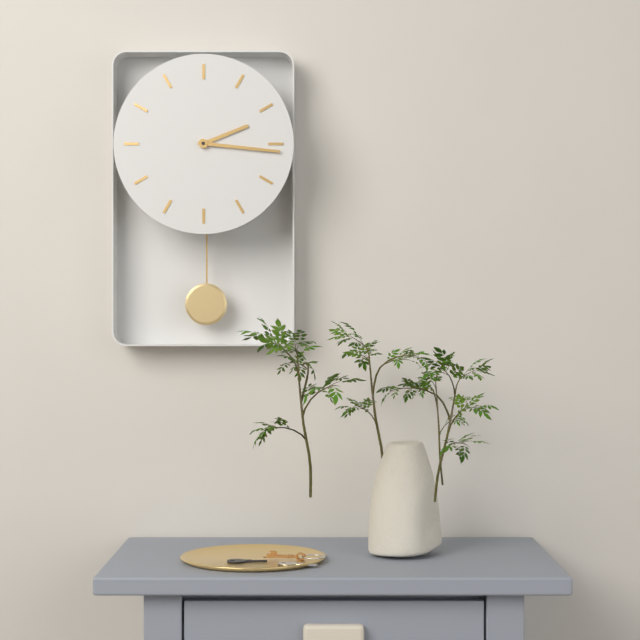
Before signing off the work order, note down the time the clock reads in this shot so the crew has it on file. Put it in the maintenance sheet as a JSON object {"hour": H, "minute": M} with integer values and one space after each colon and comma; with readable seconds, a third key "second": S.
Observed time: {"hour": 2, "minute": 16}
